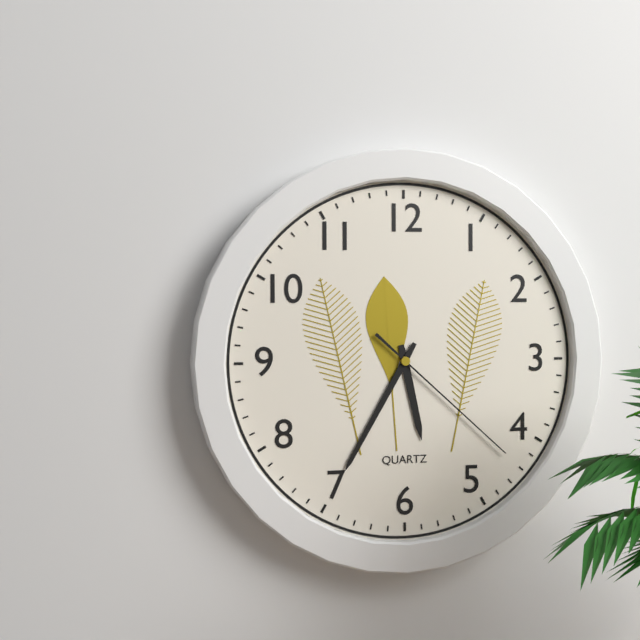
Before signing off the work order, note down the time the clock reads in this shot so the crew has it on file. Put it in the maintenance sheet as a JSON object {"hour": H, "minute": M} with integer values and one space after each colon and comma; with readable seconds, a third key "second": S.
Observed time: {"hour": 5, "minute": 35, "second": 22}
